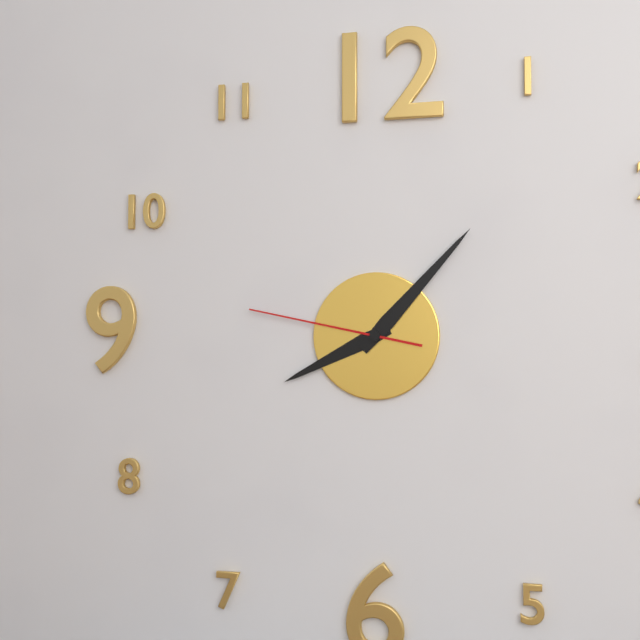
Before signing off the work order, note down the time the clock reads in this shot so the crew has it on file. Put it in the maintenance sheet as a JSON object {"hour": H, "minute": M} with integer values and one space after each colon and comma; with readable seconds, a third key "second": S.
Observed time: {"hour": 8, "minute": 7, "second": 47}
